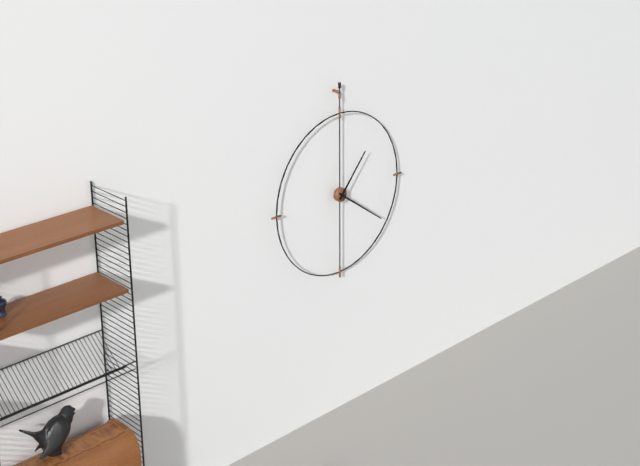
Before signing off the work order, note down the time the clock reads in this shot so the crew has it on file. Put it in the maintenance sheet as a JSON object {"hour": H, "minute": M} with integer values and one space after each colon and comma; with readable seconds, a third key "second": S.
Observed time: {"hour": 1, "minute": 21}
